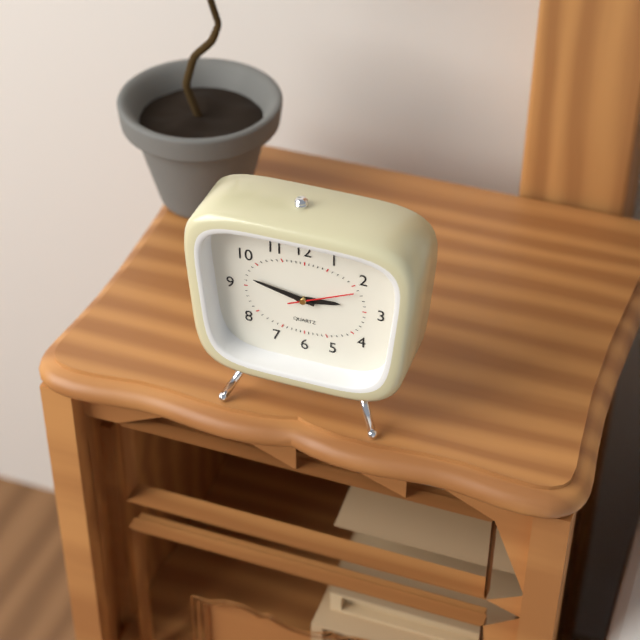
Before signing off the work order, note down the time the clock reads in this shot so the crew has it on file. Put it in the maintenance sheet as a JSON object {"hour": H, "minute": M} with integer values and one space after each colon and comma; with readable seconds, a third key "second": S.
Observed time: {"hour": 2, "minute": 47, "second": 11}
